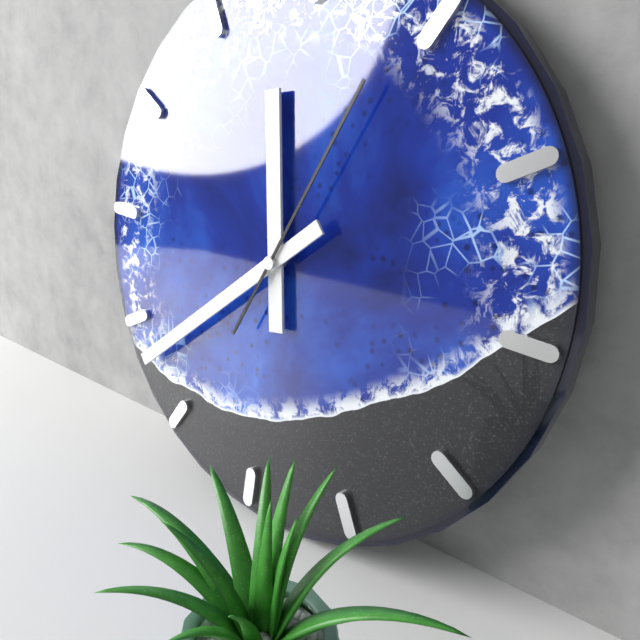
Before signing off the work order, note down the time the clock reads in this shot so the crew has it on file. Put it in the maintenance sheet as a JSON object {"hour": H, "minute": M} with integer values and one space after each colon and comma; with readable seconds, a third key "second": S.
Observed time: {"hour": 11, "minute": 38, "second": 4}
